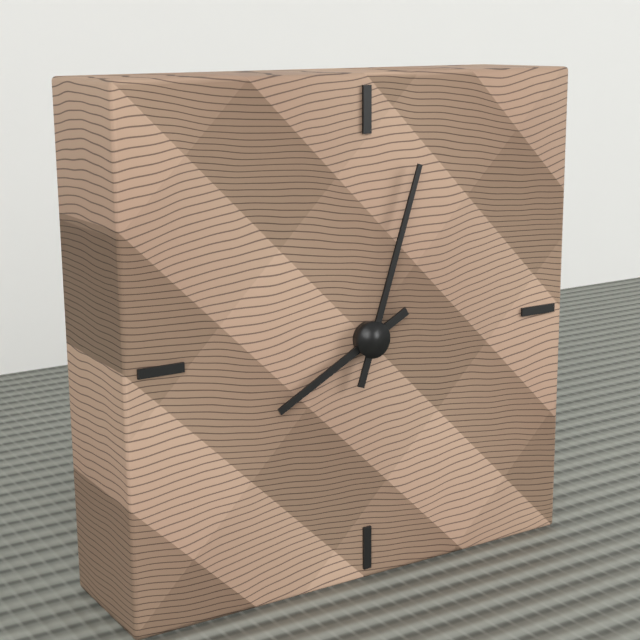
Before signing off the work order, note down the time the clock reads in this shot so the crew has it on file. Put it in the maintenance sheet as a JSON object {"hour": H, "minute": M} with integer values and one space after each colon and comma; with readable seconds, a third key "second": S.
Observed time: {"hour": 8, "minute": 3}
